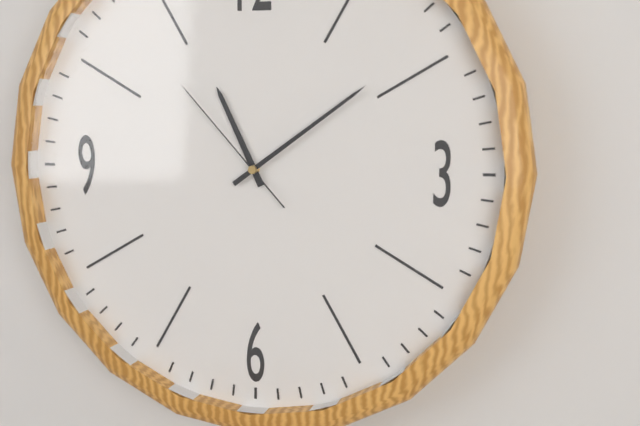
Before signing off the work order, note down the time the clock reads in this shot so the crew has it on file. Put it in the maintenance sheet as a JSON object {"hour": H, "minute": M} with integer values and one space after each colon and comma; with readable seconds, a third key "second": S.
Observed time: {"hour": 11, "minute": 9, "second": 53}
